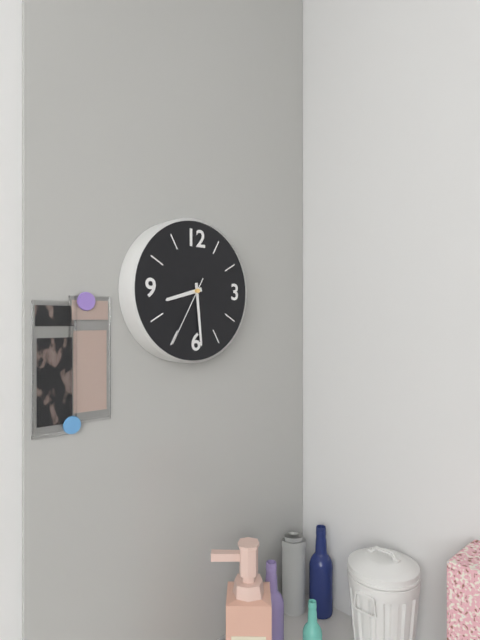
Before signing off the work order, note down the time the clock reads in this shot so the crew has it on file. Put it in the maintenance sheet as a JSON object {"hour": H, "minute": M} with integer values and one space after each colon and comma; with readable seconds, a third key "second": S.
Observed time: {"hour": 8, "minute": 29, "second": 35}
